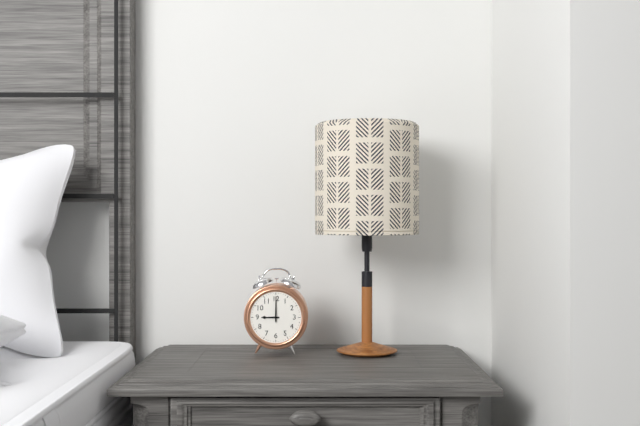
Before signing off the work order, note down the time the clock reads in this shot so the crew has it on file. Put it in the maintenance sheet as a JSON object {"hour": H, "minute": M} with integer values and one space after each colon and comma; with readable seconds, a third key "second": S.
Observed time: {"hour": 9, "minute": 0}
